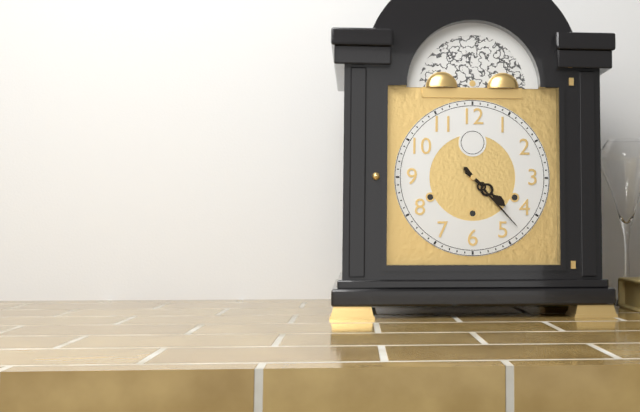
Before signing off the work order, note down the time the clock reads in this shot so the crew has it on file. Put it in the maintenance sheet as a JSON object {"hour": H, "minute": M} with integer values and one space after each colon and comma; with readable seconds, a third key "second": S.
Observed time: {"hour": 4, "minute": 23}
